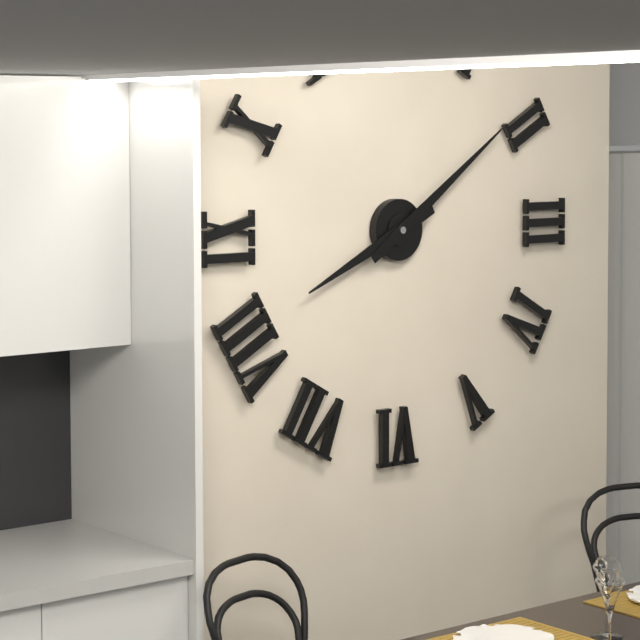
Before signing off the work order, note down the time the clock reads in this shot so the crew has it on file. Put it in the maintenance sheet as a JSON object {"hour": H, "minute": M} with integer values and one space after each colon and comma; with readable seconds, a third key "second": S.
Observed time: {"hour": 8, "minute": 9}
